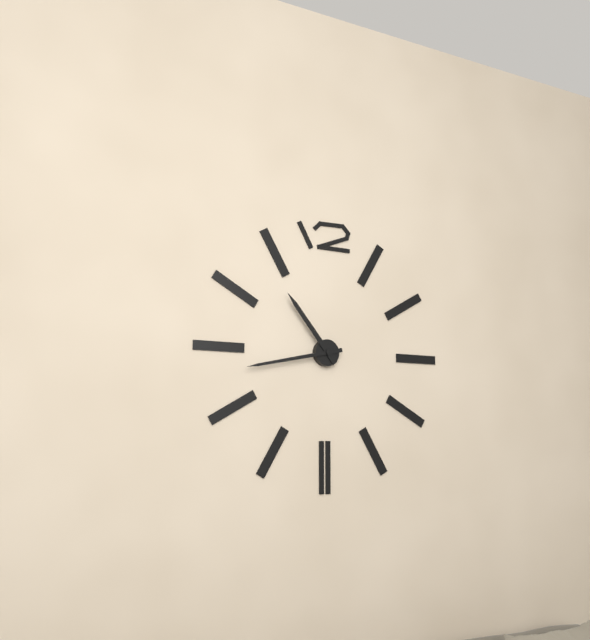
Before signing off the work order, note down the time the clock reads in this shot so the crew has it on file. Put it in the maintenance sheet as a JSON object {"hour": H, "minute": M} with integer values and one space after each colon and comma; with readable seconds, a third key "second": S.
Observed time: {"hour": 10, "minute": 43}
